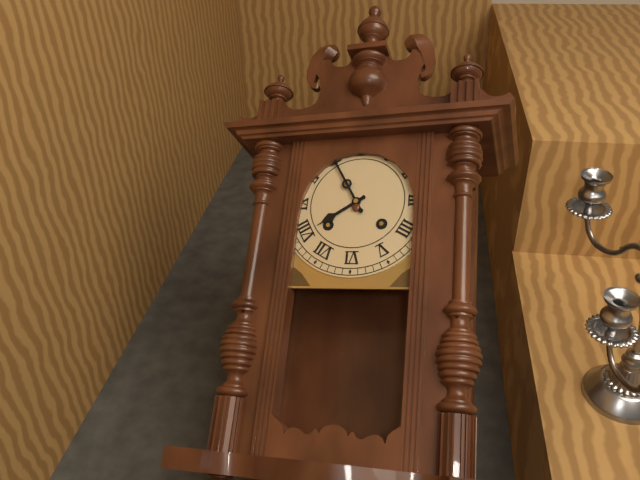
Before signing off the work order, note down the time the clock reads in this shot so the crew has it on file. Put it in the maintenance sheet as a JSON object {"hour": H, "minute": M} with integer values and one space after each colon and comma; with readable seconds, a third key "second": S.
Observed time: {"hour": 7, "minute": 55}
